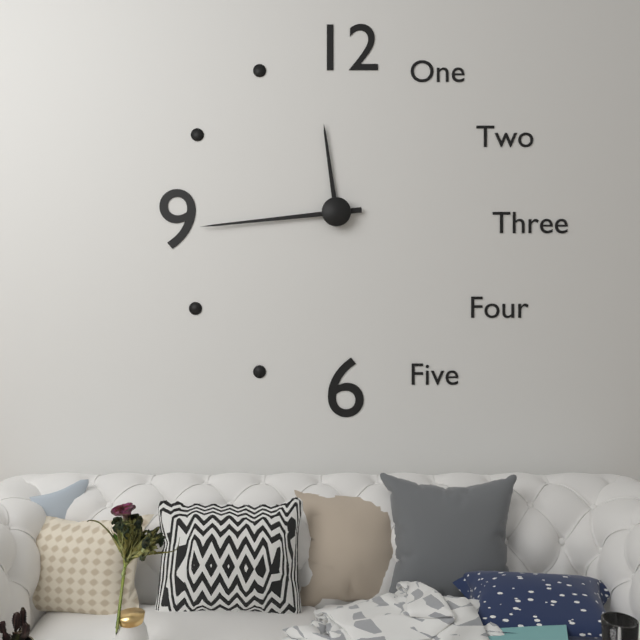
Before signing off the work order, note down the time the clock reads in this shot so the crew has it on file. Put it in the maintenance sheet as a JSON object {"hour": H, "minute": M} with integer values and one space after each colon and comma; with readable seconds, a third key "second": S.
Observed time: {"hour": 11, "minute": 44}
